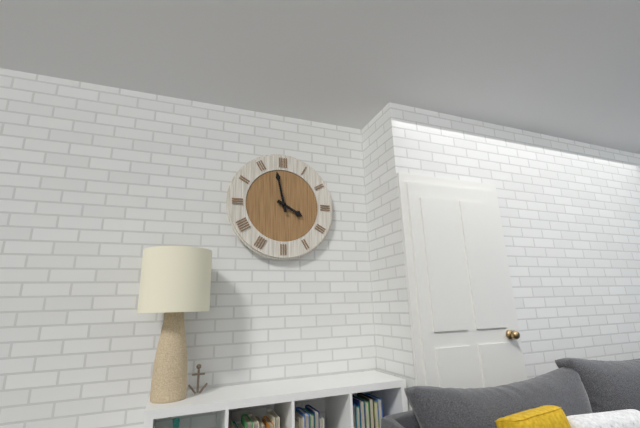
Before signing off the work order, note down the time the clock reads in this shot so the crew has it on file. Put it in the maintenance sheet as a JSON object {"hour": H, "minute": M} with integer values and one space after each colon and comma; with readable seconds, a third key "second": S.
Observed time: {"hour": 3, "minute": 58}
